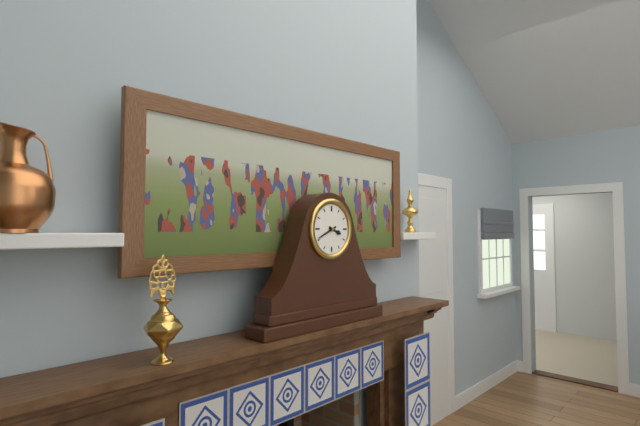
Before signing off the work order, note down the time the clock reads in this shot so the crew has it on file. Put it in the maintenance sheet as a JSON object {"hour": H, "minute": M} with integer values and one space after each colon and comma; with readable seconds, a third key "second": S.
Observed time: {"hour": 3, "minute": 41}
